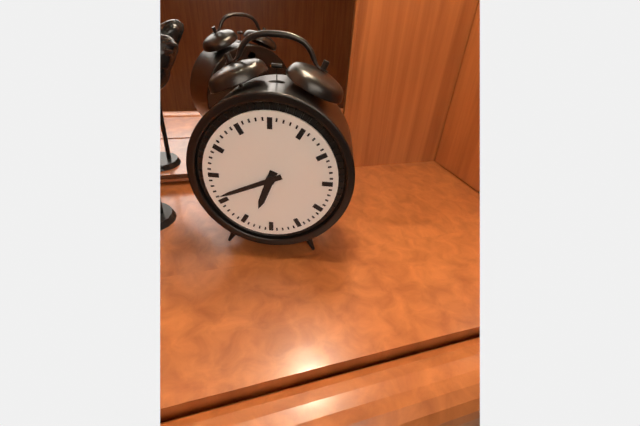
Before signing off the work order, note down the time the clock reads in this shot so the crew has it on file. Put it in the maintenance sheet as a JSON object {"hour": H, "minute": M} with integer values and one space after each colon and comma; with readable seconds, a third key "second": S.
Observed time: {"hour": 6, "minute": 41}
